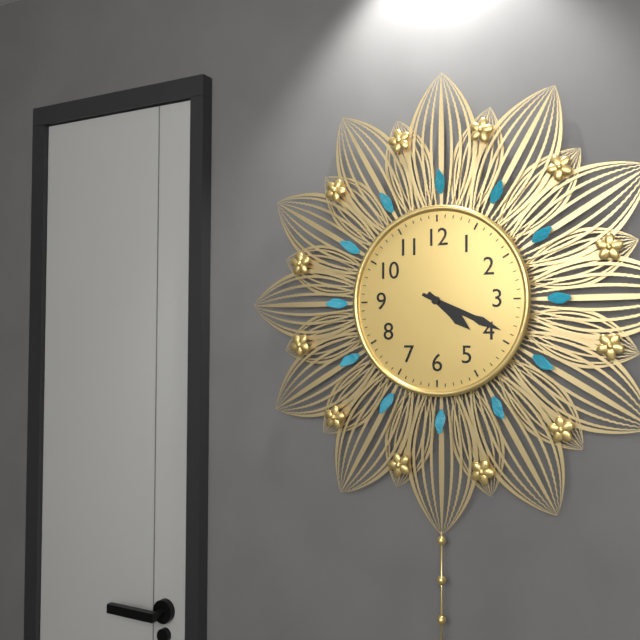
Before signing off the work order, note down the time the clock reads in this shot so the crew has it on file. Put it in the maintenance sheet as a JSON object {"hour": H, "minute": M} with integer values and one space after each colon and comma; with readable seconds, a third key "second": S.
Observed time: {"hour": 4, "minute": 19}
